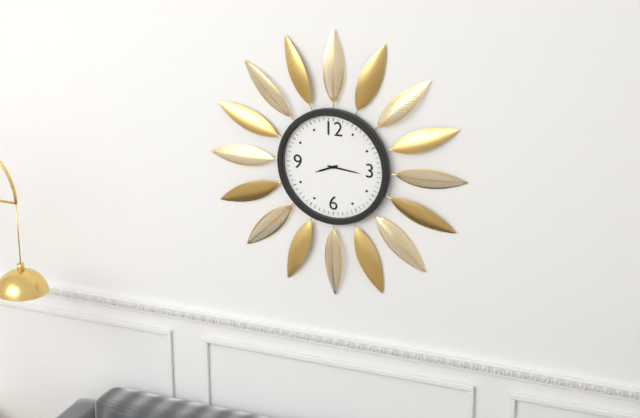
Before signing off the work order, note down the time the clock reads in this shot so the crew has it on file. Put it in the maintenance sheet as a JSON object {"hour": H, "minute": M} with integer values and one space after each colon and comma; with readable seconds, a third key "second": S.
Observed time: {"hour": 8, "minute": 16}
